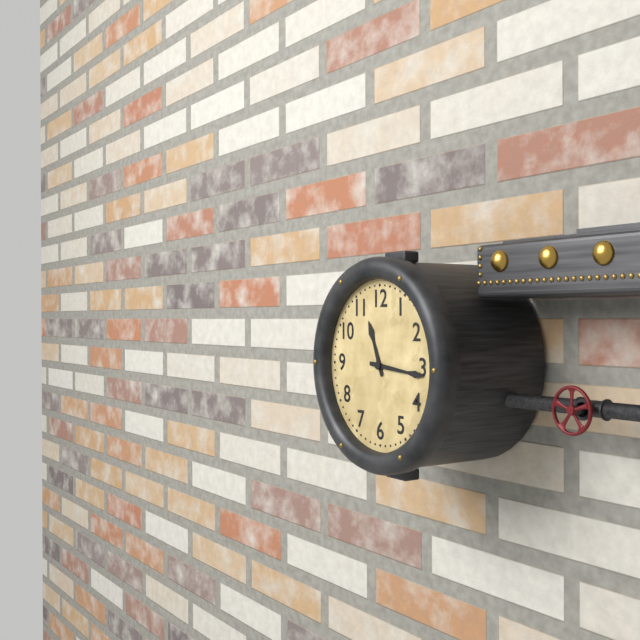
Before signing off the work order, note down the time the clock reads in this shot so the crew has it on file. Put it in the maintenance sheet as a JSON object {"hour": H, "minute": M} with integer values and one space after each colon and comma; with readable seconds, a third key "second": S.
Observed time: {"hour": 11, "minute": 16}
